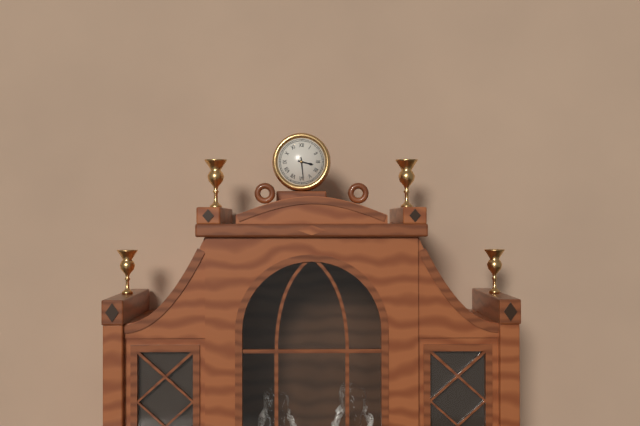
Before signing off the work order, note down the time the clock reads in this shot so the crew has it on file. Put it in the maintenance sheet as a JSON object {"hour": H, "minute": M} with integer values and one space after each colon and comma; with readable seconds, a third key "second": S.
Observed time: {"hour": 3, "minute": 29}
